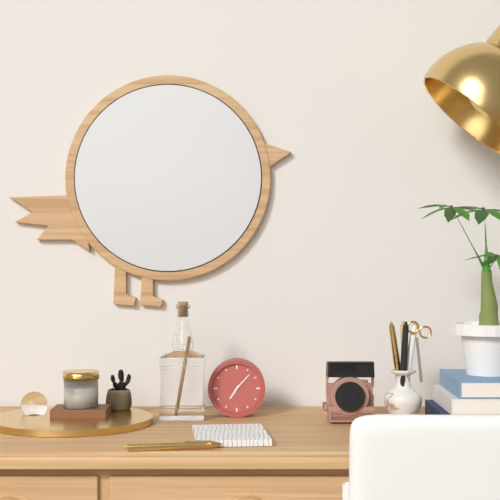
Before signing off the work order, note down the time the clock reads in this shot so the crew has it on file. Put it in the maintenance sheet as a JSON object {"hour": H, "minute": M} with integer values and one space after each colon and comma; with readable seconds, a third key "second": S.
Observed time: {"hour": 7, "minute": 7}
